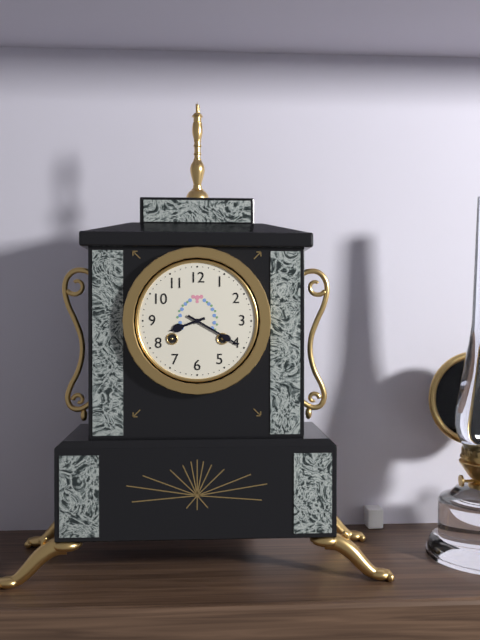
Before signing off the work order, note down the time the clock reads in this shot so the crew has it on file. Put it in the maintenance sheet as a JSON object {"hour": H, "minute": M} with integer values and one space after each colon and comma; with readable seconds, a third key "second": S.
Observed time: {"hour": 8, "minute": 20}
